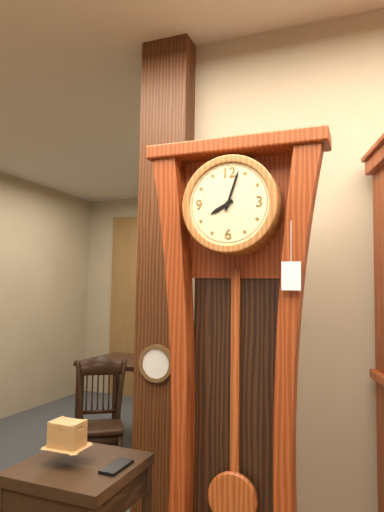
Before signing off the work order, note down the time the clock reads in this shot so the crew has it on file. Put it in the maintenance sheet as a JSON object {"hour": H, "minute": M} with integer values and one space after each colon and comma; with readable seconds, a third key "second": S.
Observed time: {"hour": 8, "minute": 3}
